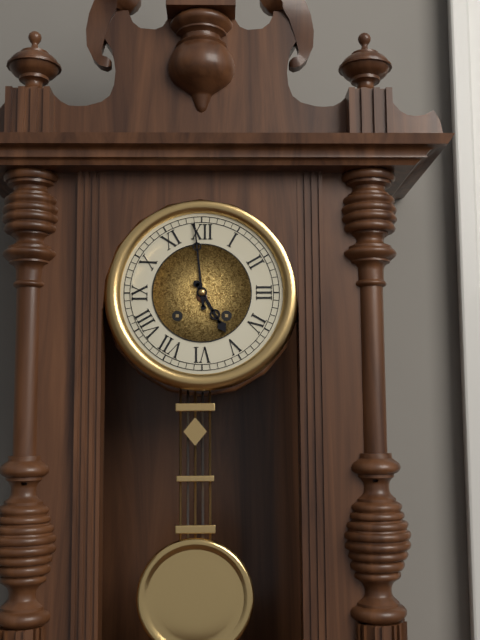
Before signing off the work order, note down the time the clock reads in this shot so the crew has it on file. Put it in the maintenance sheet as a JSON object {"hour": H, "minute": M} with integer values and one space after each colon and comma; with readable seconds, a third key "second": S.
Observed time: {"hour": 4, "minute": 59}
